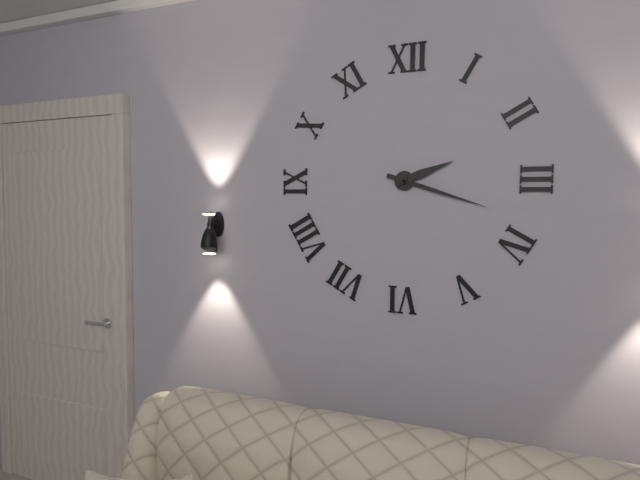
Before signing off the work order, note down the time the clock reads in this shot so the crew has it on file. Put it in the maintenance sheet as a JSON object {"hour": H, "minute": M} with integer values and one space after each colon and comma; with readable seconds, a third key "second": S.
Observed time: {"hour": 2, "minute": 18}
